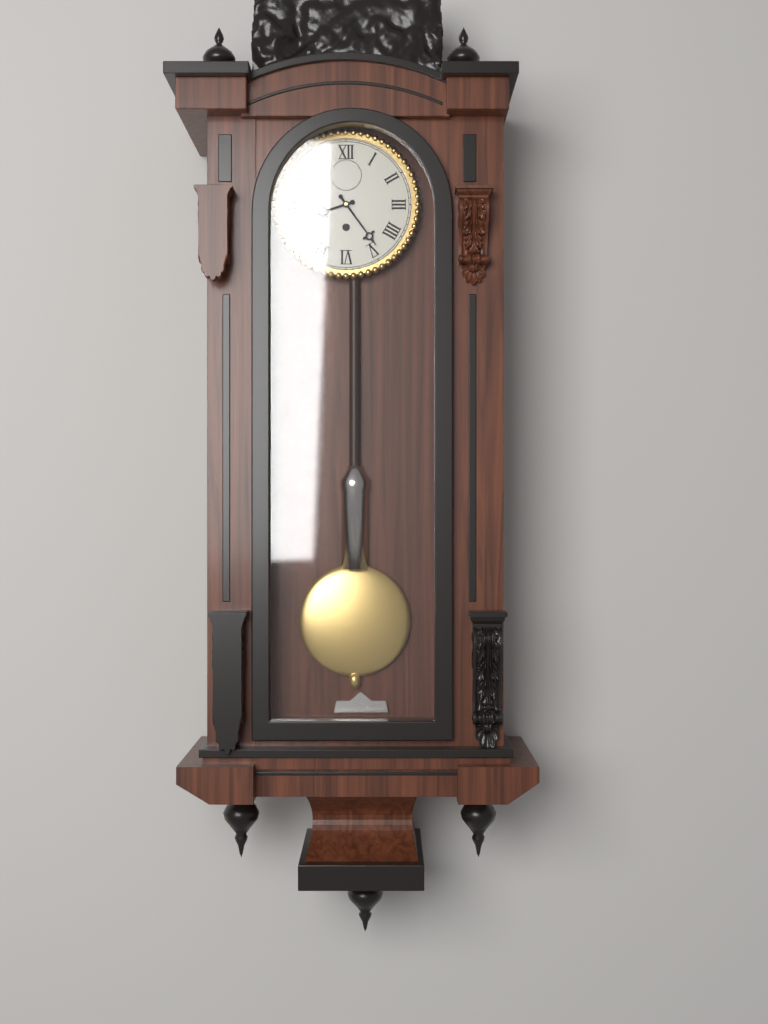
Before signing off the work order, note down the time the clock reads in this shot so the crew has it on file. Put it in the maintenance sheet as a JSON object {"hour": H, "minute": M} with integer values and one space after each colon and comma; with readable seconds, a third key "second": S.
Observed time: {"hour": 8, "minute": 24}
